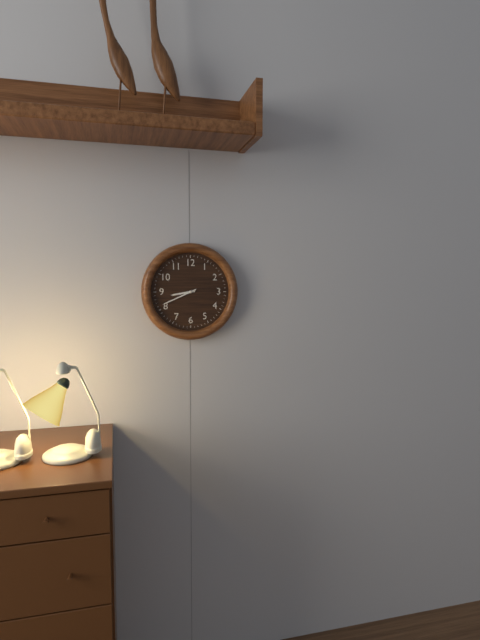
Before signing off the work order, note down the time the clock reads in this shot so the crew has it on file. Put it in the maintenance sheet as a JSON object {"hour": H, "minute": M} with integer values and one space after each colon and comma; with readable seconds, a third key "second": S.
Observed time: {"hour": 8, "minute": 41}
